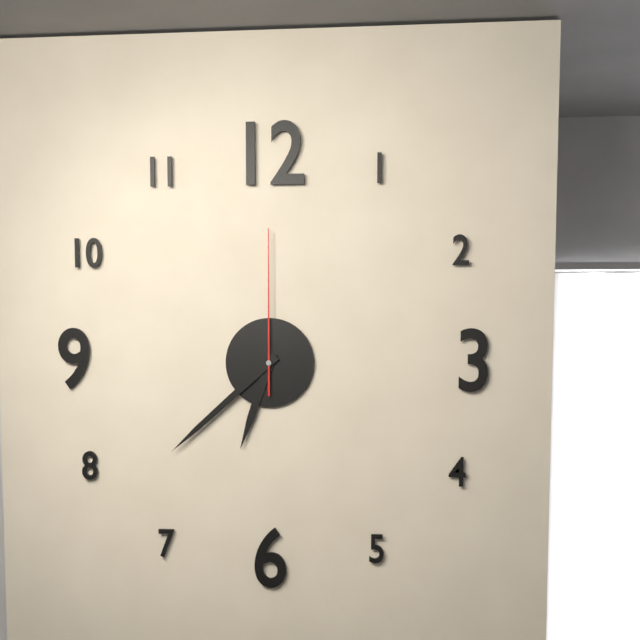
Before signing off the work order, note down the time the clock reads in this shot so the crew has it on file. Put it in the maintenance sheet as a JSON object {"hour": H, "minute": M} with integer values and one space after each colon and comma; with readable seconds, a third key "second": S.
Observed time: {"hour": 6, "minute": 38, "second": 0}
